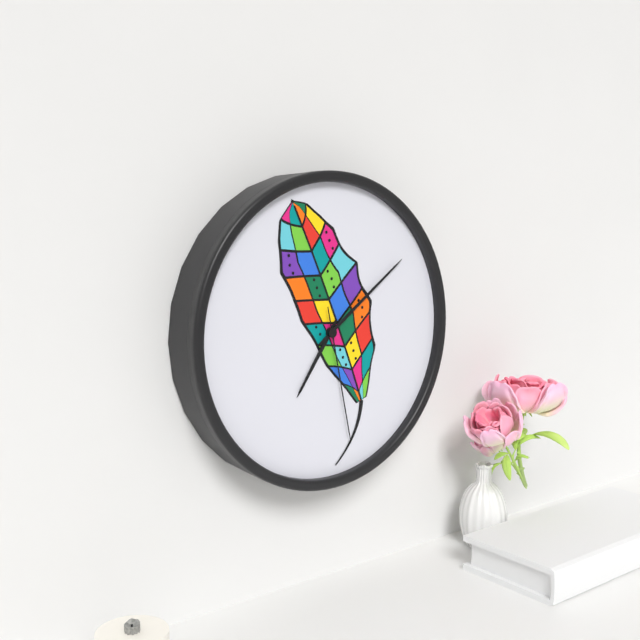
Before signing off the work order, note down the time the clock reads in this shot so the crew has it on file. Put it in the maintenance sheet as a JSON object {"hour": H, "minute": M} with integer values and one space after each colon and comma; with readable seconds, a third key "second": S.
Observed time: {"hour": 7, "minute": 9, "second": 28}
